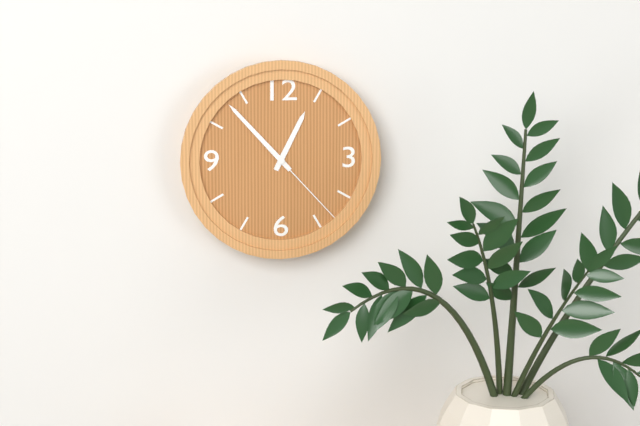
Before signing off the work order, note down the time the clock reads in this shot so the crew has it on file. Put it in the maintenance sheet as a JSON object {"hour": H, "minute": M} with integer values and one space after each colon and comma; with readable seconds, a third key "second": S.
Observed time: {"hour": 12, "minute": 53, "second": 23}
